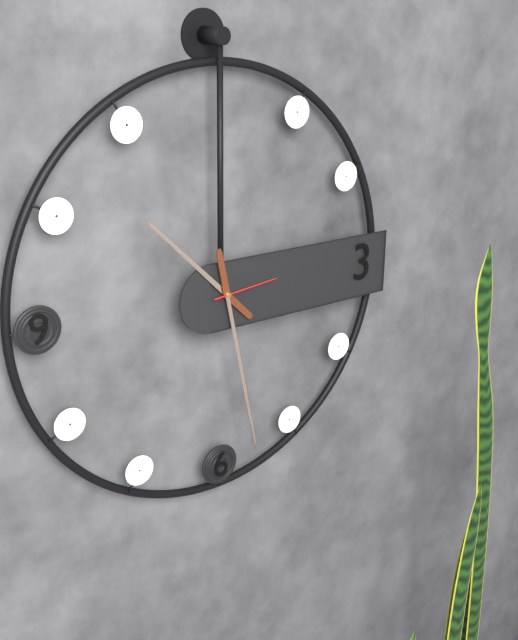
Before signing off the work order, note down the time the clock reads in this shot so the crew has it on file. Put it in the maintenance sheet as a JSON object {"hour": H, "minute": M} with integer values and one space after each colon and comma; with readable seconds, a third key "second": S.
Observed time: {"hour": 10, "minute": 28, "second": 14}
